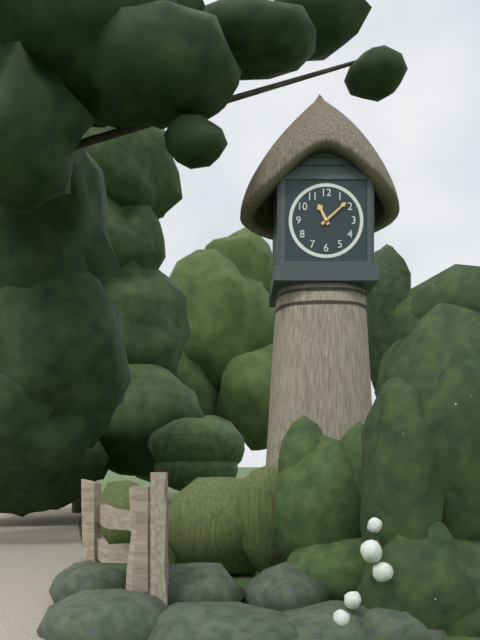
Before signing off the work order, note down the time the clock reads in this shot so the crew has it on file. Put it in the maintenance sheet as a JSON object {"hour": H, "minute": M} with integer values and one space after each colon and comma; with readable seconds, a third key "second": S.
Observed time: {"hour": 11, "minute": 8}
